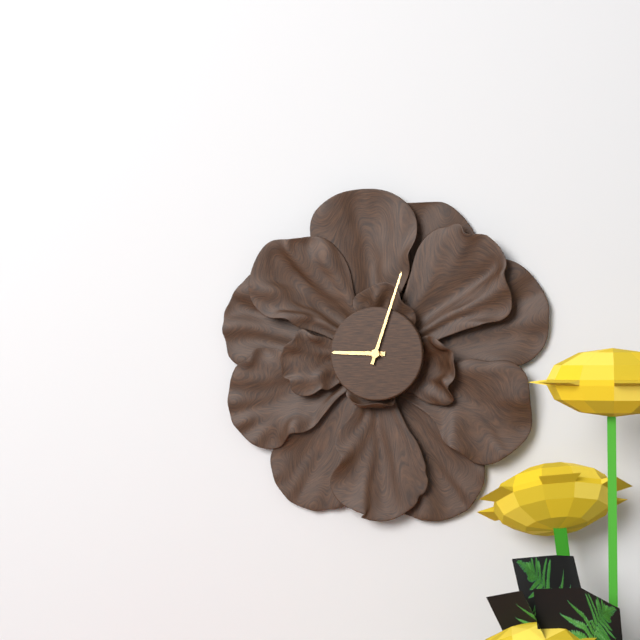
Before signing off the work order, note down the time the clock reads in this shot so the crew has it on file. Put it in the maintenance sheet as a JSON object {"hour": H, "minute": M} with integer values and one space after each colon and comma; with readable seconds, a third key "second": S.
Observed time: {"hour": 9, "minute": 3}
